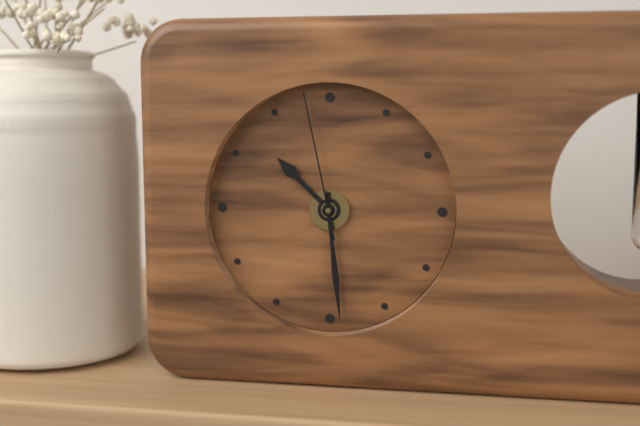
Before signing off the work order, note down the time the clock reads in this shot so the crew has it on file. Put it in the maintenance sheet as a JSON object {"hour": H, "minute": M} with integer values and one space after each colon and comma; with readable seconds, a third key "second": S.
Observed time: {"hour": 10, "minute": 29, "second": 58}
